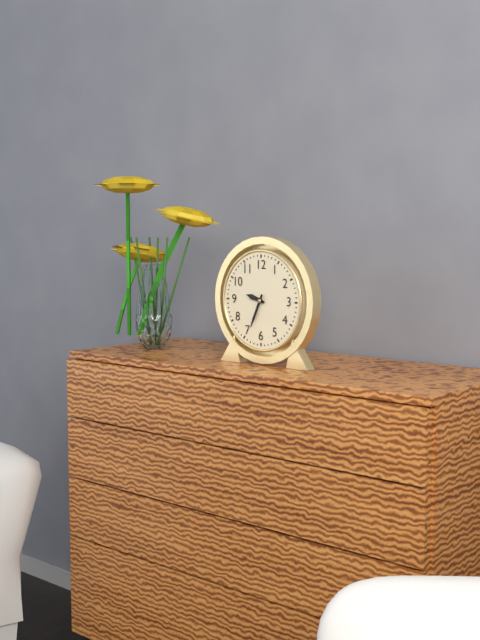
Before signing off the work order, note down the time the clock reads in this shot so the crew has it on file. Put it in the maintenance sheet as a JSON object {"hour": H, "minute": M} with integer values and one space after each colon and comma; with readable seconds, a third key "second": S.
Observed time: {"hour": 9, "minute": 34}
